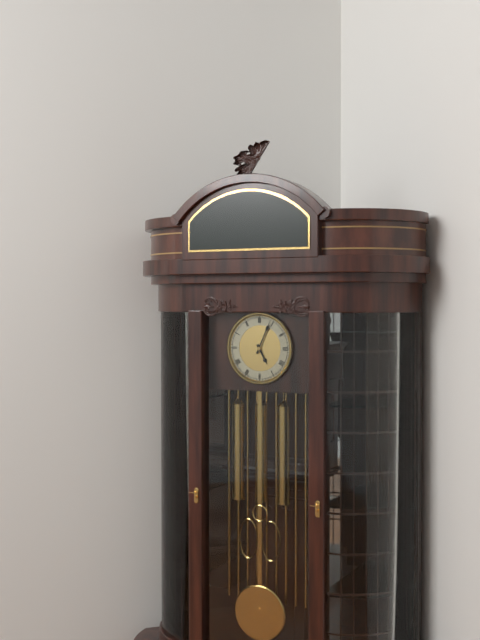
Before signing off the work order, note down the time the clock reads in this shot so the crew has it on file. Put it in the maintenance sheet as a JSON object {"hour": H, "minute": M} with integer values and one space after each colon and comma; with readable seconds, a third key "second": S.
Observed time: {"hour": 5, "minute": 4}
